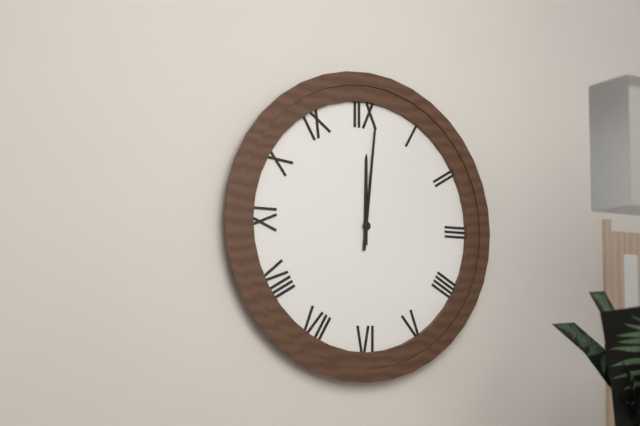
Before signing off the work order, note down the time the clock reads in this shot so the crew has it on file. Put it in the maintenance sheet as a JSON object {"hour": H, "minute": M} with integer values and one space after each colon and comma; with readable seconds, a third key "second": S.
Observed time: {"hour": 12, "minute": 1}
